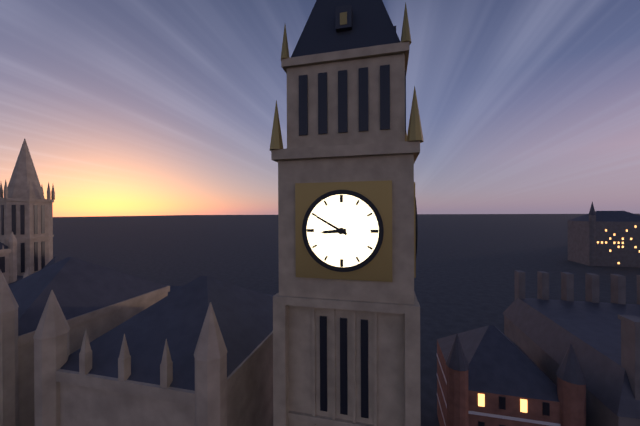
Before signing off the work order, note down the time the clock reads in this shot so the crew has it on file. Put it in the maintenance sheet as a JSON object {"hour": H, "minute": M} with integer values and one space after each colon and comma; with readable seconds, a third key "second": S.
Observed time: {"hour": 8, "minute": 50}
